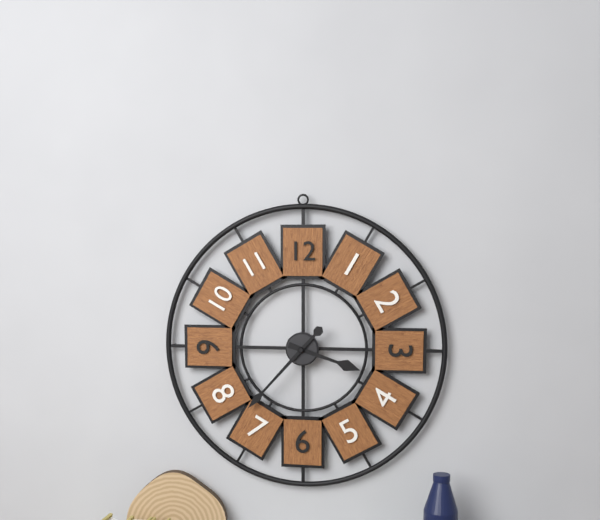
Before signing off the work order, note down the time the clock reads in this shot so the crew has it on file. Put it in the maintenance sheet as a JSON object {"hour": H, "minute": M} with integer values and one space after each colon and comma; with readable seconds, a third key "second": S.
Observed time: {"hour": 3, "minute": 37}
